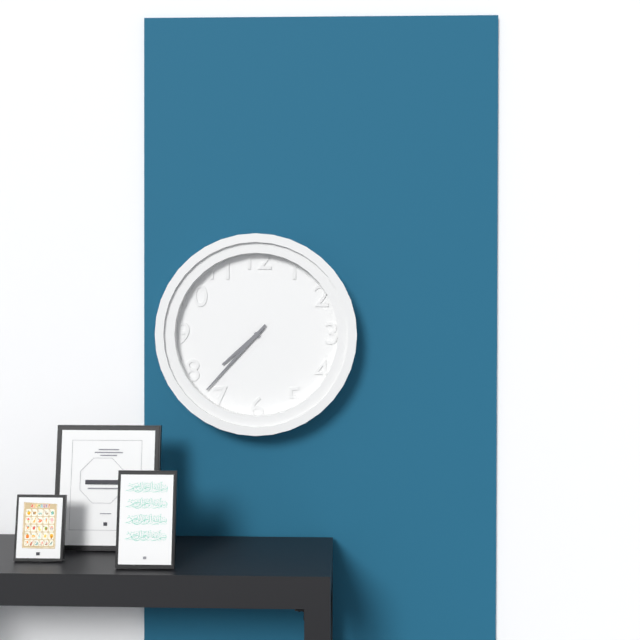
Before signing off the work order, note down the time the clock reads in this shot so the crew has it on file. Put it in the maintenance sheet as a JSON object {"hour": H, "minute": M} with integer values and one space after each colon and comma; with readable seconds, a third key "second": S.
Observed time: {"hour": 7, "minute": 37}
